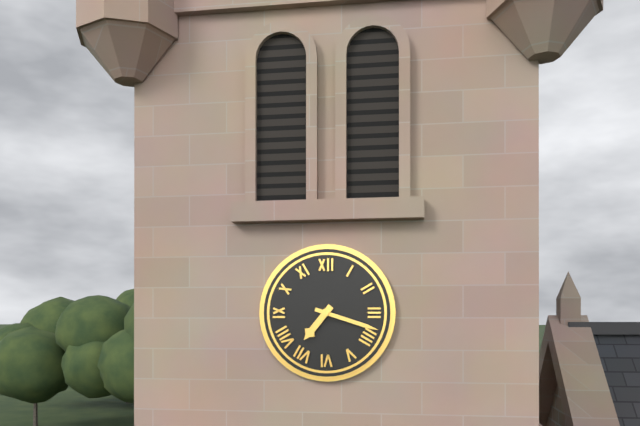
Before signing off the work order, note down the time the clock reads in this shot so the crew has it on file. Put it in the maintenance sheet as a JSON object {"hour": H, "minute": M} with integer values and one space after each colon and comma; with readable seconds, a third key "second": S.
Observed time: {"hour": 7, "minute": 18}
